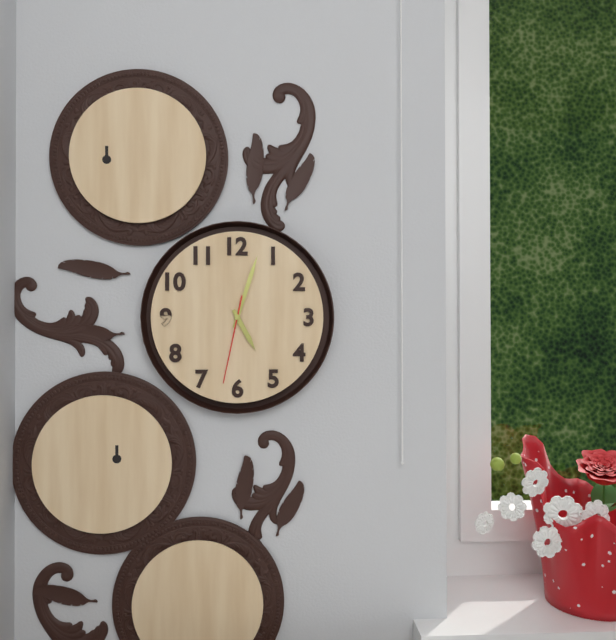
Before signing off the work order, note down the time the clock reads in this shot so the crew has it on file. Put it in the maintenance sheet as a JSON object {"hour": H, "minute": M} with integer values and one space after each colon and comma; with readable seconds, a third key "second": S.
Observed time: {"hour": 5, "minute": 3, "second": 32}
